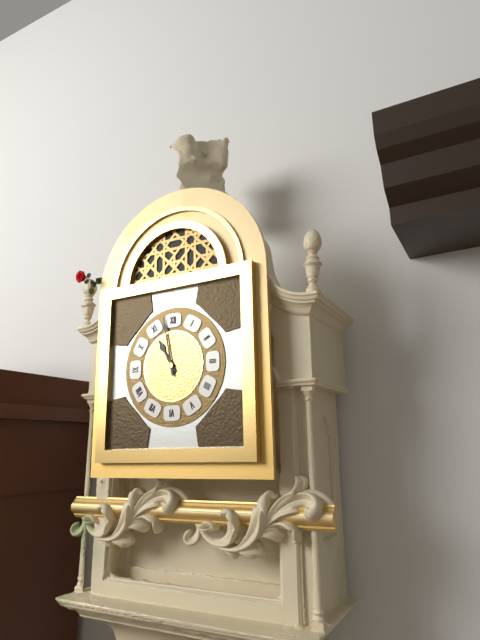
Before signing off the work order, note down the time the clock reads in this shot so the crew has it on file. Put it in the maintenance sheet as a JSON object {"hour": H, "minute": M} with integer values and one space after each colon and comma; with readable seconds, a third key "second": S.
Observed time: {"hour": 10, "minute": 58}
